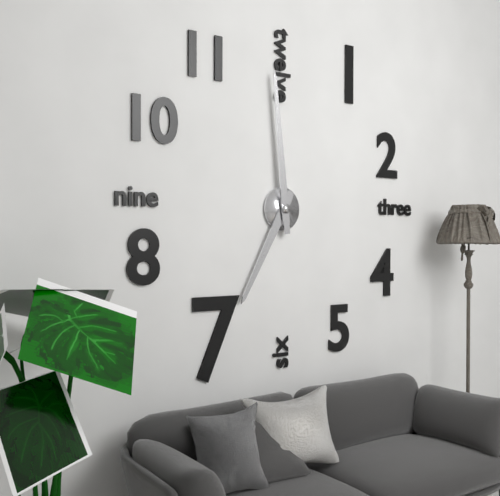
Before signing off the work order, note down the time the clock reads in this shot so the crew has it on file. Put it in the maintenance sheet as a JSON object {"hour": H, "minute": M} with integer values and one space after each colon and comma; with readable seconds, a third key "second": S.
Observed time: {"hour": 6, "minute": 59}
